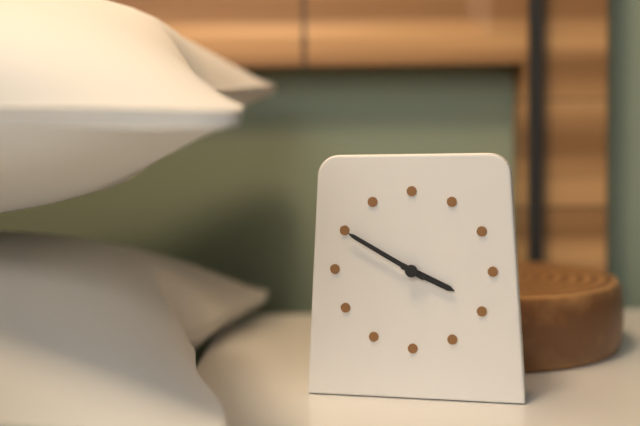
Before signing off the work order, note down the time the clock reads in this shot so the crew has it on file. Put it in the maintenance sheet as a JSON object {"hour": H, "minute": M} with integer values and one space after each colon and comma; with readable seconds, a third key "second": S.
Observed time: {"hour": 3, "minute": 50}
